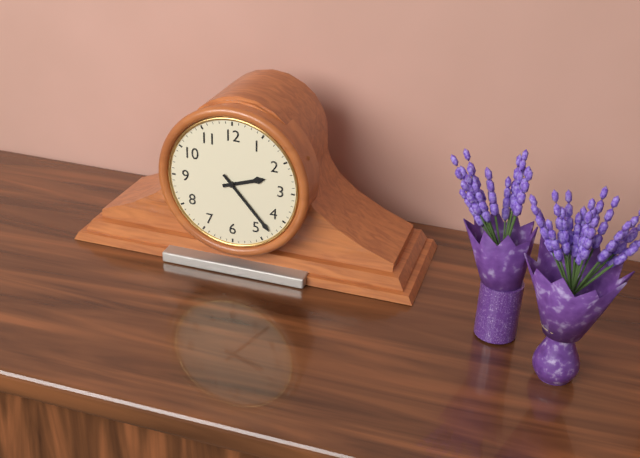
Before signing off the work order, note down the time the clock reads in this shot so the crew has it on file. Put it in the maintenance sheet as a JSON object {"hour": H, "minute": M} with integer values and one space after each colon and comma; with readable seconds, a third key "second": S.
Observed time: {"hour": 2, "minute": 23}
